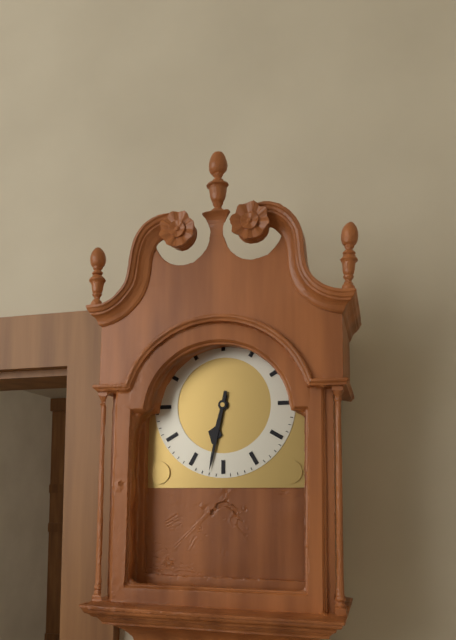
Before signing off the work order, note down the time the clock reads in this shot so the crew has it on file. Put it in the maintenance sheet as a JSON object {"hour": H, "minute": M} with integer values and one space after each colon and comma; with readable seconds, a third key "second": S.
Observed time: {"hour": 6, "minute": 32}
